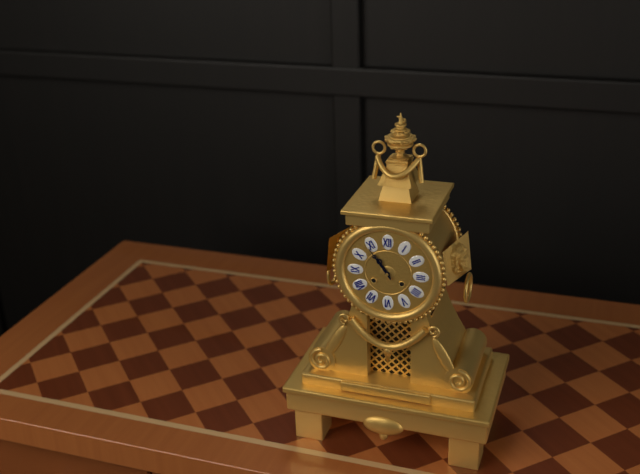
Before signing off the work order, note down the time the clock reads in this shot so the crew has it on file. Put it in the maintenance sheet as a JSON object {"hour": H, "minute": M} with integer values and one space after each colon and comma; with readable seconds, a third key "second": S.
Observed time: {"hour": 10, "minute": 54}
